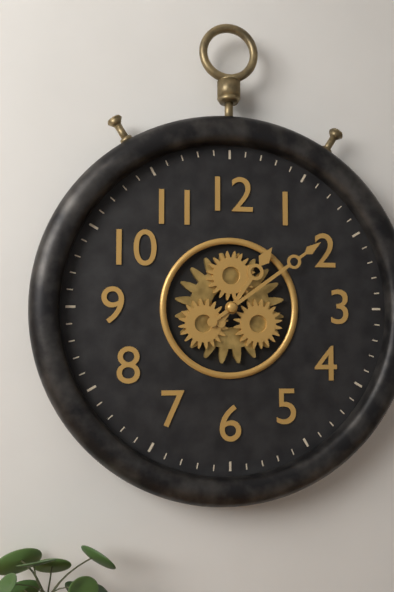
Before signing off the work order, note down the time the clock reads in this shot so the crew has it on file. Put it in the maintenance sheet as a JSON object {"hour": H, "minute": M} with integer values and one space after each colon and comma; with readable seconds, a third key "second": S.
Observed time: {"hour": 1, "minute": 9}
